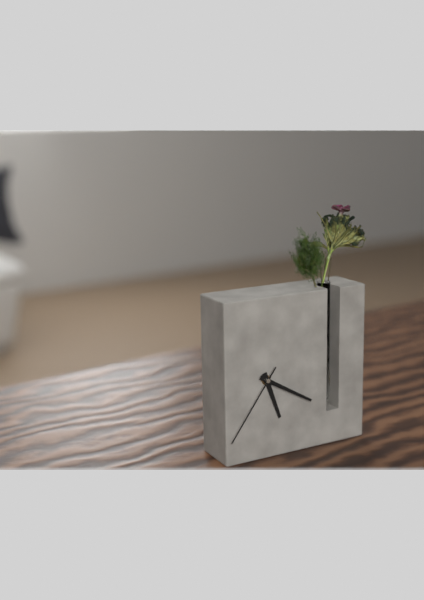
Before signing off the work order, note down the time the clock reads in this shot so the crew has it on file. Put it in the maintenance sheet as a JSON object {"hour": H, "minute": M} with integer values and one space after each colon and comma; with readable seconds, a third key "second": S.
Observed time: {"hour": 5, "minute": 20, "second": 36}
